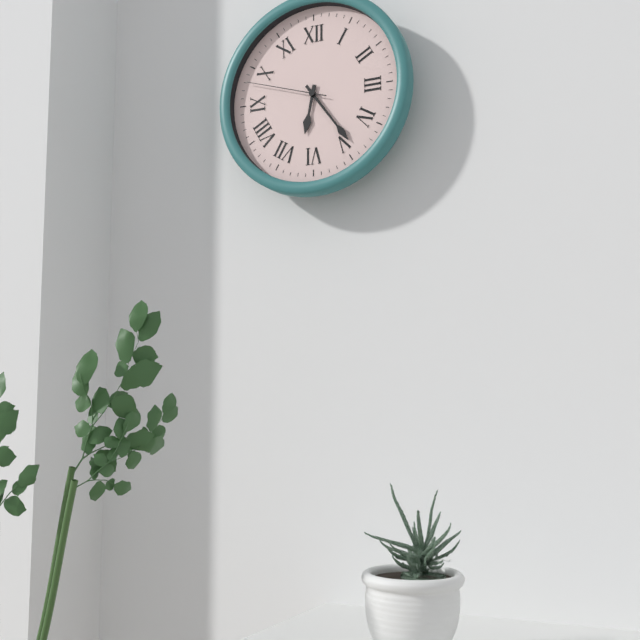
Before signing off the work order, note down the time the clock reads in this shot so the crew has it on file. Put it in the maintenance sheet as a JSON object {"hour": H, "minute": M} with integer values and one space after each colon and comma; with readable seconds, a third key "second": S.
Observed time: {"hour": 6, "minute": 24, "second": 48}
